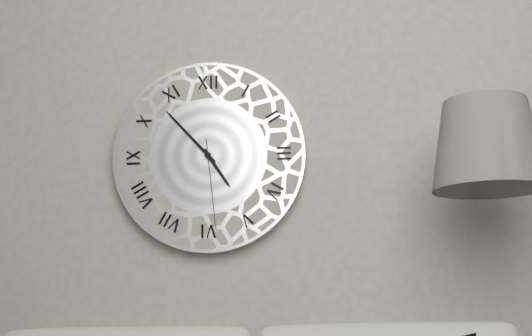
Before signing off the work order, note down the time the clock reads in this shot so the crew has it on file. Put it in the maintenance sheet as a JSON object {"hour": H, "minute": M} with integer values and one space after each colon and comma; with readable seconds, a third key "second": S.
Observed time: {"hour": 4, "minute": 53, "second": 29}
